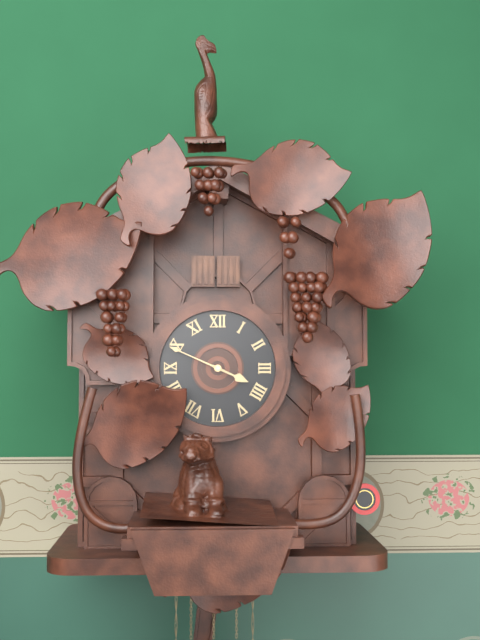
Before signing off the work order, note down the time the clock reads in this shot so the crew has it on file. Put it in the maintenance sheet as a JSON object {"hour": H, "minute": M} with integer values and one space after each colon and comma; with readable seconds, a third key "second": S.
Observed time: {"hour": 3, "minute": 49}
